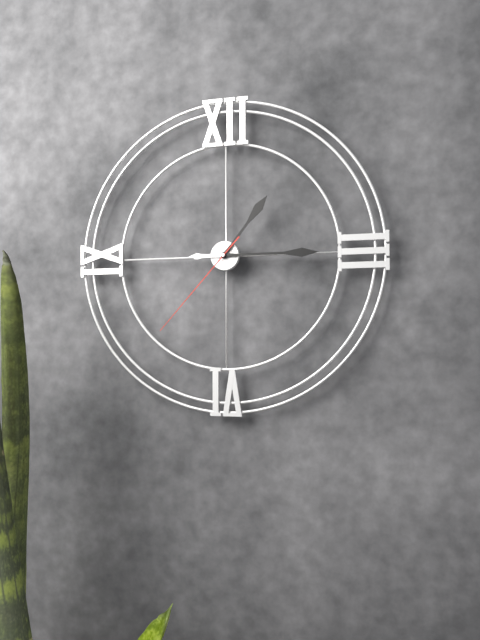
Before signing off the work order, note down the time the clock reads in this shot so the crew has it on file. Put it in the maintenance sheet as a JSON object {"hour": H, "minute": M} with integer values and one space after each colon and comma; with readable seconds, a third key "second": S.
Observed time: {"hour": 1, "minute": 15, "second": 37}
